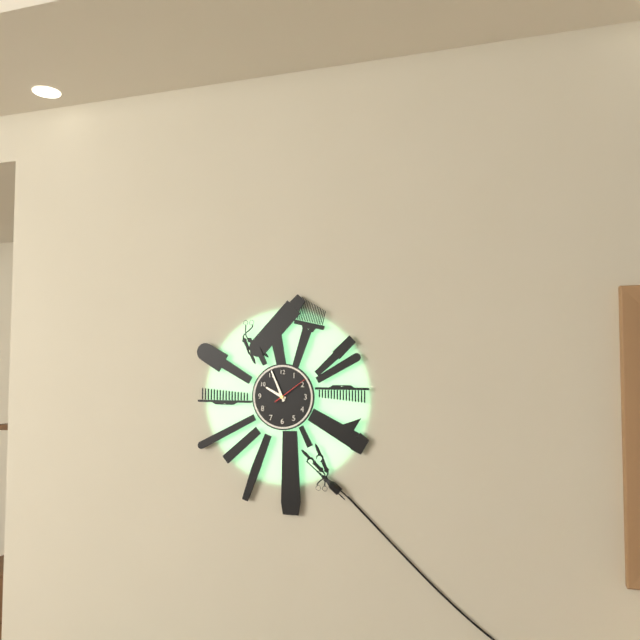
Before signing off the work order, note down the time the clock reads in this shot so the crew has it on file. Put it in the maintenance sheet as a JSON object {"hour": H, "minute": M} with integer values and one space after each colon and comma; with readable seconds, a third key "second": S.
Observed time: {"hour": 9, "minute": 56}
